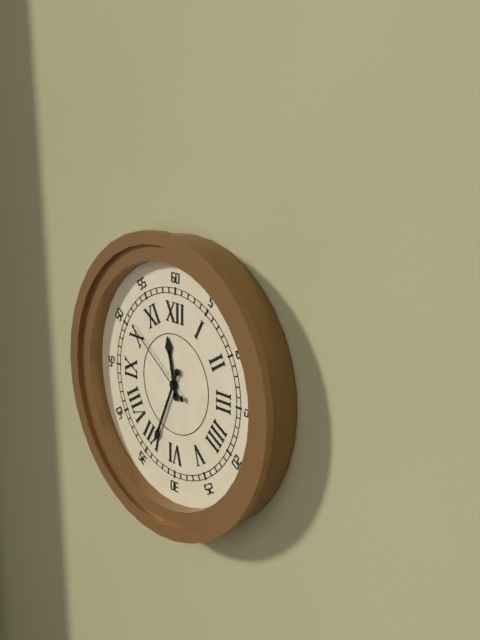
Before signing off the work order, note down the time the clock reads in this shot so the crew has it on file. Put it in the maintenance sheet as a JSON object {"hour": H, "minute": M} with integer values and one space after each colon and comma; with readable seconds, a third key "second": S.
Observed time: {"hour": 11, "minute": 34, "second": 51}
